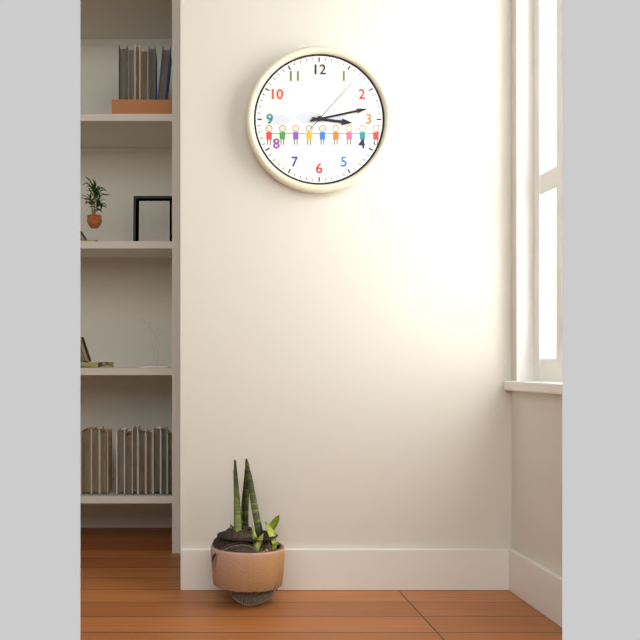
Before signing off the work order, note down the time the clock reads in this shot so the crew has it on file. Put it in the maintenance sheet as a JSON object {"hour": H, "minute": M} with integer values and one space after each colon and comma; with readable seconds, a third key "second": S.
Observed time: {"hour": 3, "minute": 13, "second": 7}
